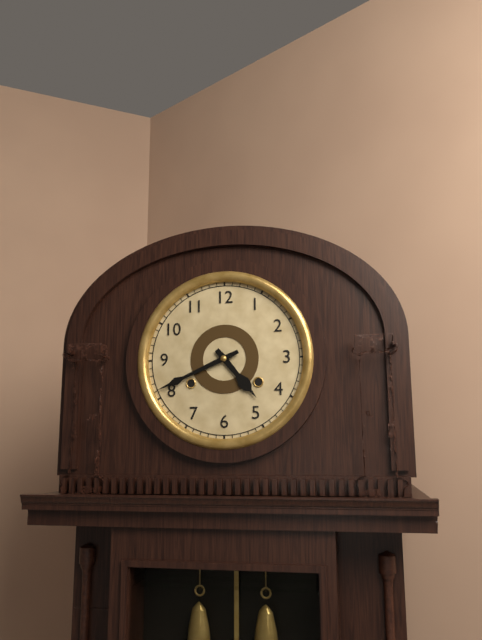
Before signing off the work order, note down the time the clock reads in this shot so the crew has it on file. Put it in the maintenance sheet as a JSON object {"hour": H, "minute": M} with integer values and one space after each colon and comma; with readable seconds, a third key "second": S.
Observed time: {"hour": 4, "minute": 41}
